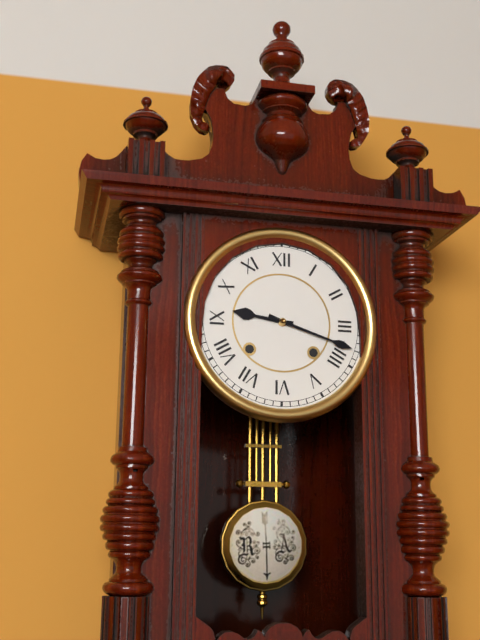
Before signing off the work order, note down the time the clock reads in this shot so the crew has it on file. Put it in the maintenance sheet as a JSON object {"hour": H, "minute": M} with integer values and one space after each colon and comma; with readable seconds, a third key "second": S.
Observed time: {"hour": 9, "minute": 18}
